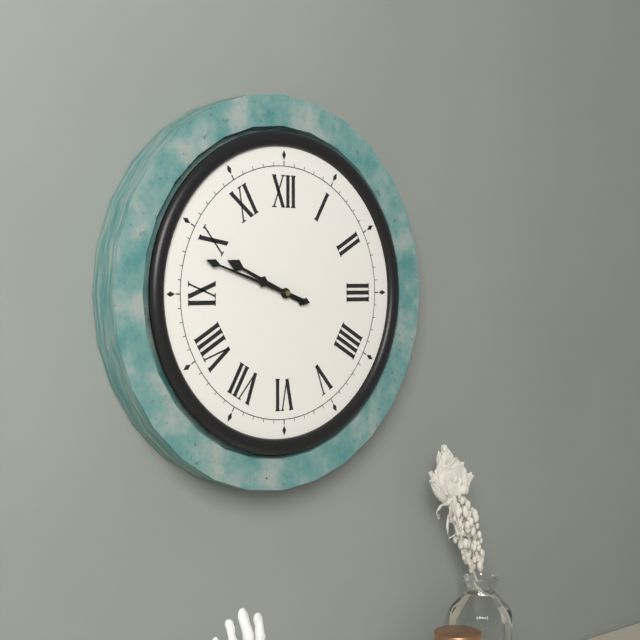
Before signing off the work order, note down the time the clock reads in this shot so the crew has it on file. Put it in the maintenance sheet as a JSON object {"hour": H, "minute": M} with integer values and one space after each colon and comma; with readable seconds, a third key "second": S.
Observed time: {"hour": 9, "minute": 48}
